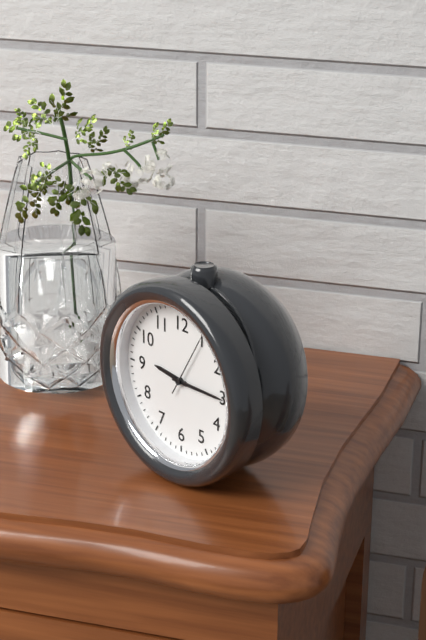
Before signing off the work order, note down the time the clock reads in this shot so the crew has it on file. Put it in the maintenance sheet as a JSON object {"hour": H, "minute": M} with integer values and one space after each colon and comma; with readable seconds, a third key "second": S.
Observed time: {"hour": 9, "minute": 15, "second": 5}
